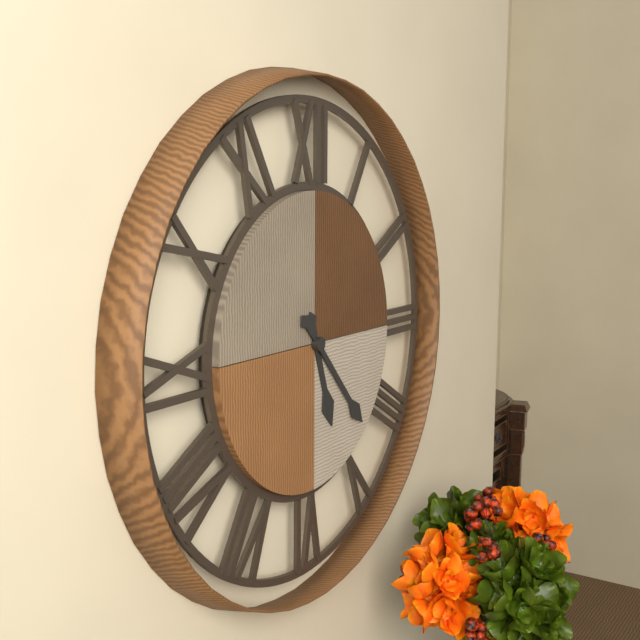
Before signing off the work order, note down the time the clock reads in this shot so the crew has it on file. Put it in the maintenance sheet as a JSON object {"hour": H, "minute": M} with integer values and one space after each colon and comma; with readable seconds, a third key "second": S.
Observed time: {"hour": 5, "minute": 23}
